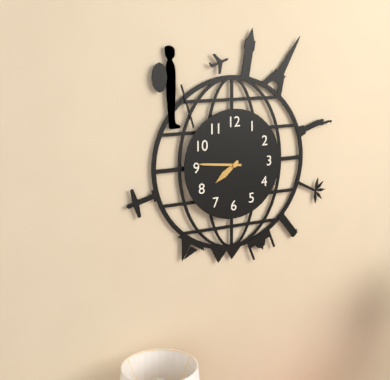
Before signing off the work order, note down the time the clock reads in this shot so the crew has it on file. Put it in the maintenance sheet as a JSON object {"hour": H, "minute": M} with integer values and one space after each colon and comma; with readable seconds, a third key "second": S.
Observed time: {"hour": 7, "minute": 46}
